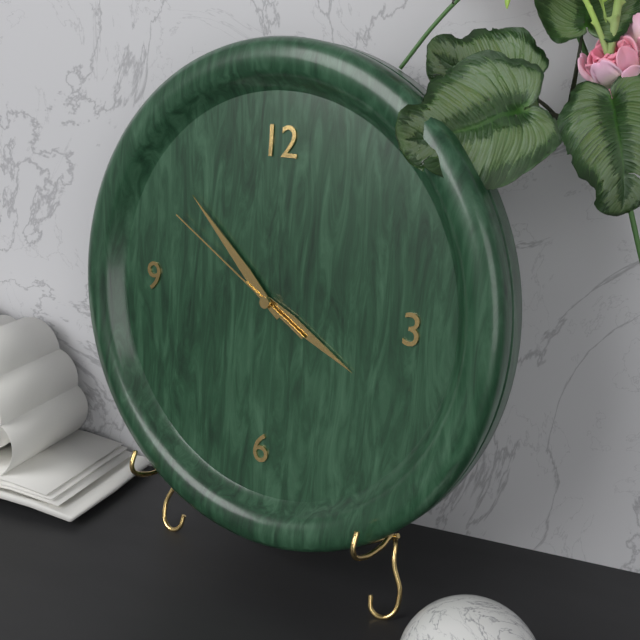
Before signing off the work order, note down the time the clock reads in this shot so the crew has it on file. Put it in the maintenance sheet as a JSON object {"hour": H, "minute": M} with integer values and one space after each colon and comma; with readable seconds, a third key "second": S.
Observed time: {"hour": 3, "minute": 52, "second": 50}
